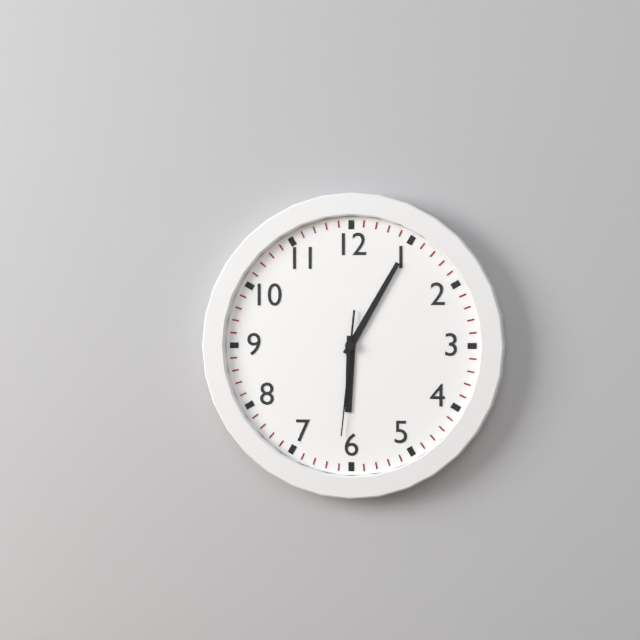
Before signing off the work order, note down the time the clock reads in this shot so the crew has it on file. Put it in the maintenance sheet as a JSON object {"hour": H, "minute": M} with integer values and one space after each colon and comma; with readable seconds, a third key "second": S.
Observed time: {"hour": 6, "minute": 5, "second": 31}
